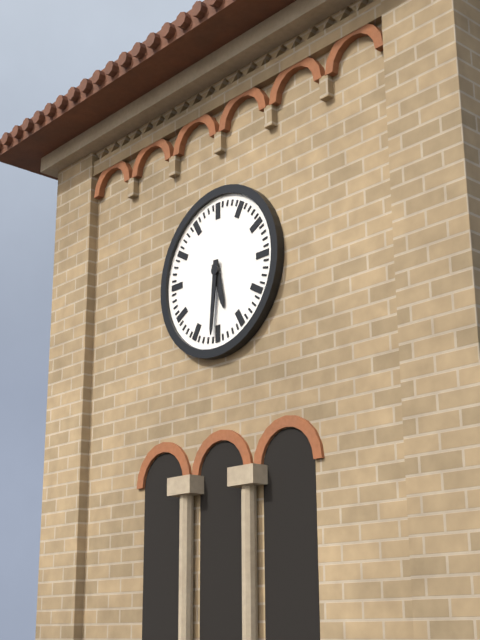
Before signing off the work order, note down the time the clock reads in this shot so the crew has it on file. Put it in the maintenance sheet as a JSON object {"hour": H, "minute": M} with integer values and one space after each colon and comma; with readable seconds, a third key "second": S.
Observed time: {"hour": 5, "minute": 31}
